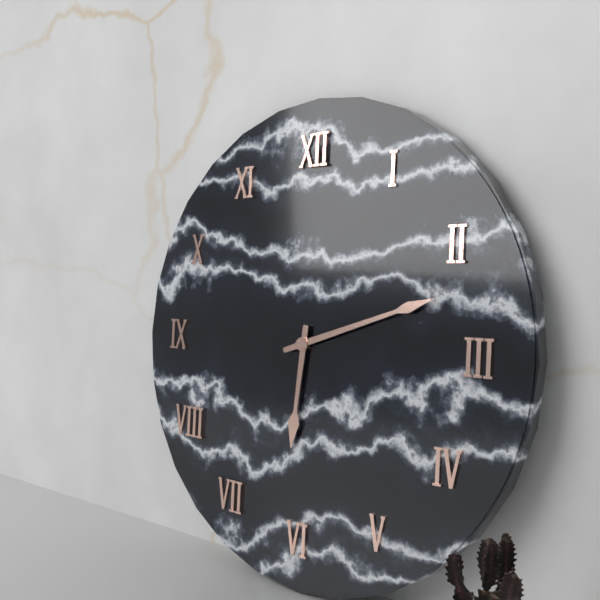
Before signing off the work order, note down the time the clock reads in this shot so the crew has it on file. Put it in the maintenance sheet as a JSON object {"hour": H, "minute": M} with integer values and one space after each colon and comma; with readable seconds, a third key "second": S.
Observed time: {"hour": 6, "minute": 12}
